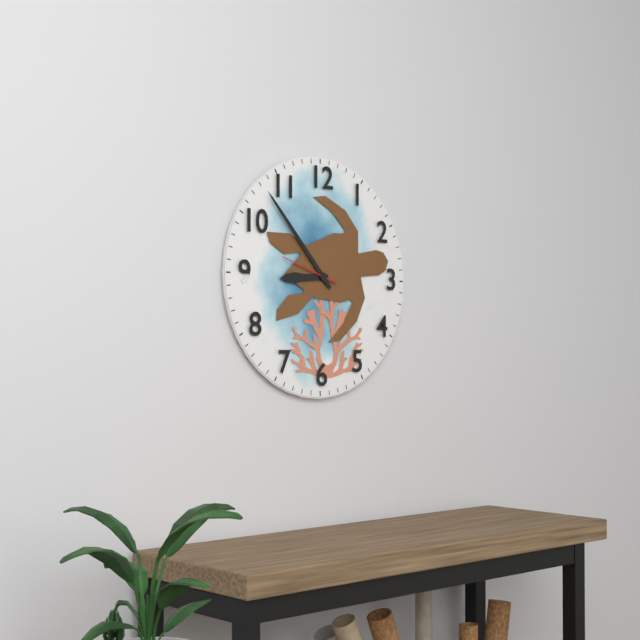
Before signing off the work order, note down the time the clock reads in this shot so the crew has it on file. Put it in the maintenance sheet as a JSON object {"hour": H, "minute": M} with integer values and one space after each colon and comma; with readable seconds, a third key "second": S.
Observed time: {"hour": 8, "minute": 53, "second": 48}
